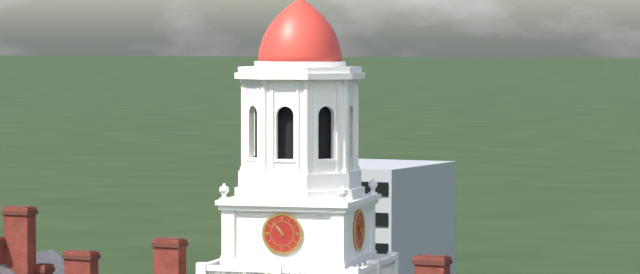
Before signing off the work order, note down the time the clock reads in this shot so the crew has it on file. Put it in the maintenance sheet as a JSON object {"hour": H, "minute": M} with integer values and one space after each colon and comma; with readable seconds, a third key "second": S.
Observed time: {"hour": 10, "minute": 53}
